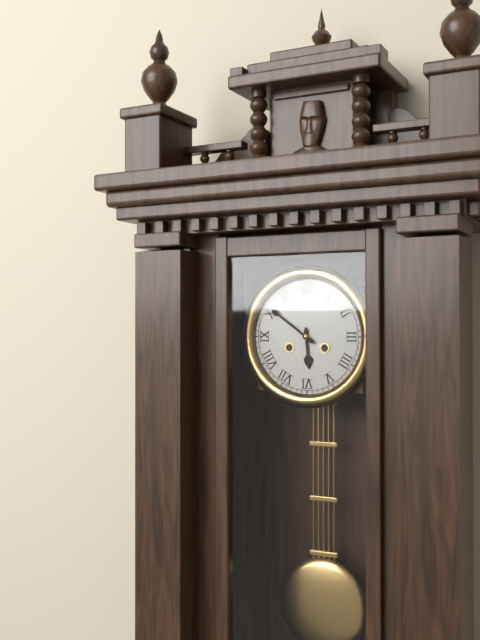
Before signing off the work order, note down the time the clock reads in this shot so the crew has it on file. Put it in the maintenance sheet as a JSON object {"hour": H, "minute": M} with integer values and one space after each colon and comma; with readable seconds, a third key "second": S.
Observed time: {"hour": 5, "minute": 51}
